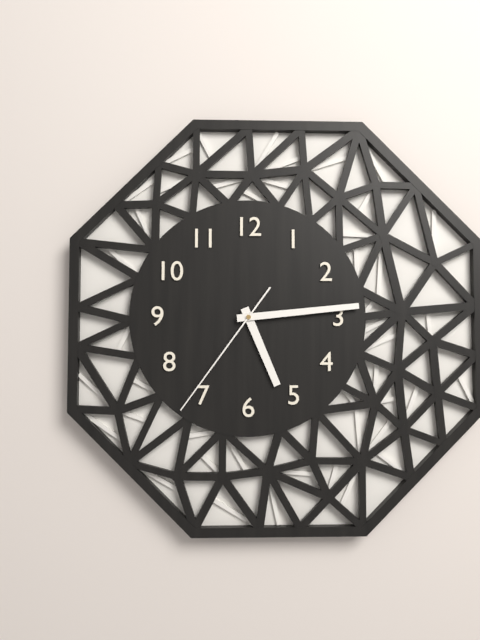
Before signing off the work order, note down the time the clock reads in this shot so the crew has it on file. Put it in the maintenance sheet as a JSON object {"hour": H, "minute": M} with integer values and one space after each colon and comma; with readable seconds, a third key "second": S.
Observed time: {"hour": 5, "minute": 14, "second": 36}
